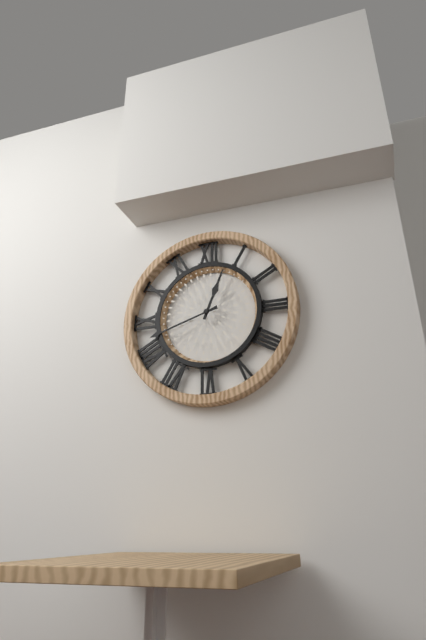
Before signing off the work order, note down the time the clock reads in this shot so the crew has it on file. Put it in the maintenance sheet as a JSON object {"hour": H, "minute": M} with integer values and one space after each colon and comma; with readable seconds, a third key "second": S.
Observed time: {"hour": 12, "minute": 42}
